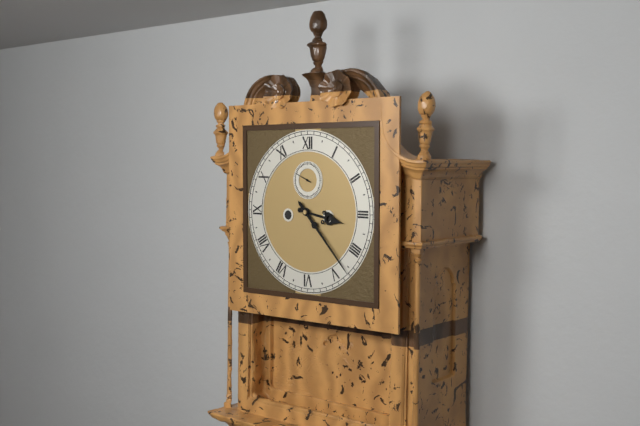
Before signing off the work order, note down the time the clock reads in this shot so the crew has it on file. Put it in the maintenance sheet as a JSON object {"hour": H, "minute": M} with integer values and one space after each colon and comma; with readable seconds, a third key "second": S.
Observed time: {"hour": 3, "minute": 23}
